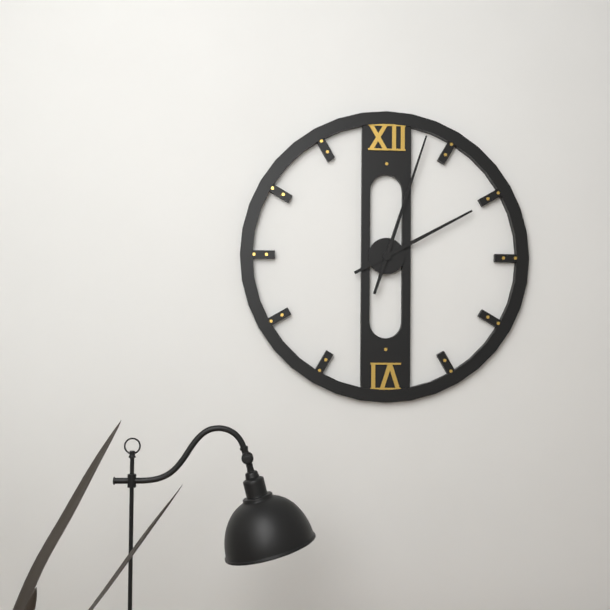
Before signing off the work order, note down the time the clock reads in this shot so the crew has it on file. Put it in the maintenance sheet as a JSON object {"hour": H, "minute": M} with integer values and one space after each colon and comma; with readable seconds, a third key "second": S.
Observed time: {"hour": 2, "minute": 3}
